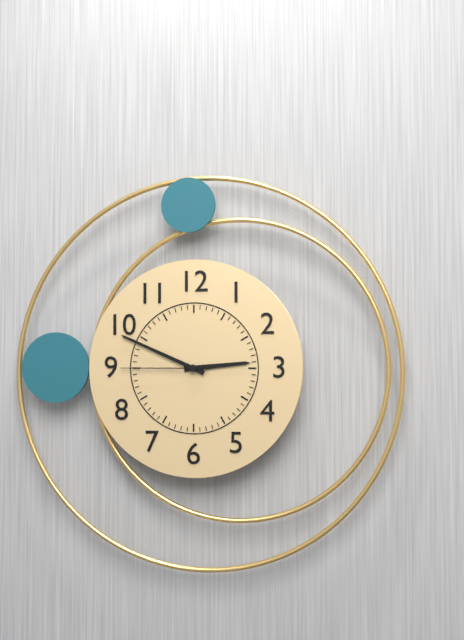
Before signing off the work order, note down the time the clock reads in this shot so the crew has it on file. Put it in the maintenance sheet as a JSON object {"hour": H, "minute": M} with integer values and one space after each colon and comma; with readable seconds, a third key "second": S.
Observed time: {"hour": 2, "minute": 49, "second": 45}
